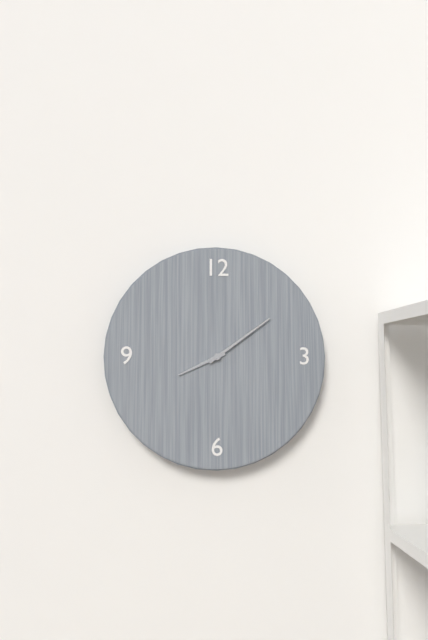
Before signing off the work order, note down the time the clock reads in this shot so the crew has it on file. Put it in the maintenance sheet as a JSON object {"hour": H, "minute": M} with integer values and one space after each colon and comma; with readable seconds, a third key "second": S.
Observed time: {"hour": 8, "minute": 9}
